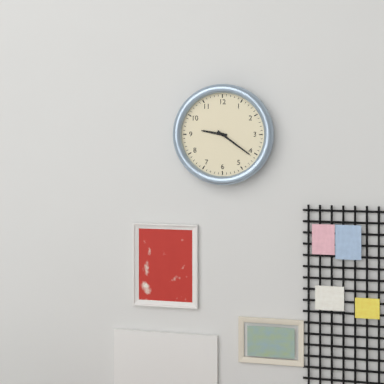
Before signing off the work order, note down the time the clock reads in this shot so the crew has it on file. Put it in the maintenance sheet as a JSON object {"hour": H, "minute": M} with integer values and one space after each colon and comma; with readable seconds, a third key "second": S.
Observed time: {"hour": 9, "minute": 21}
